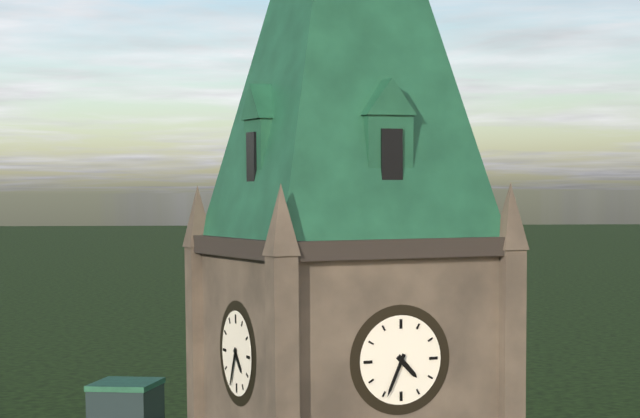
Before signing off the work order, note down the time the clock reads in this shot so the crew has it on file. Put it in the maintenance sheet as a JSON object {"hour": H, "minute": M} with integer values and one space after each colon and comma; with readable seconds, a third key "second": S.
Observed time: {"hour": 4, "minute": 34}
